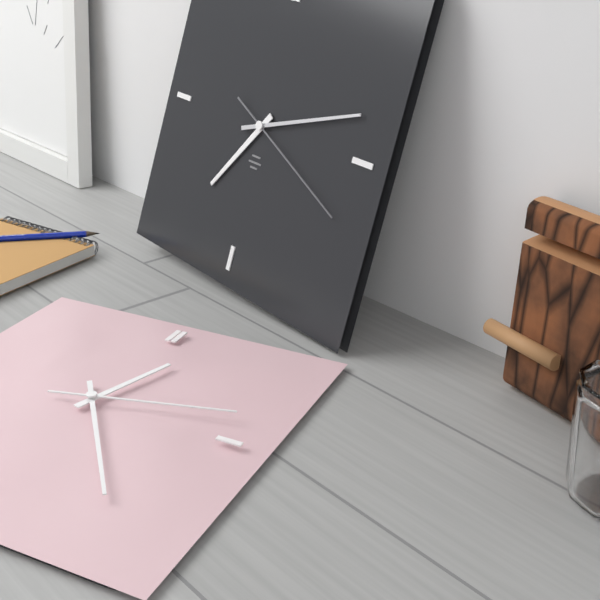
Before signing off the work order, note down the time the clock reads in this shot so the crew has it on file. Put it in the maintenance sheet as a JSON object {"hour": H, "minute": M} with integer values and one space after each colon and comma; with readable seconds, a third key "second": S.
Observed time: {"hour": 7, "minute": 12, "second": 19}
